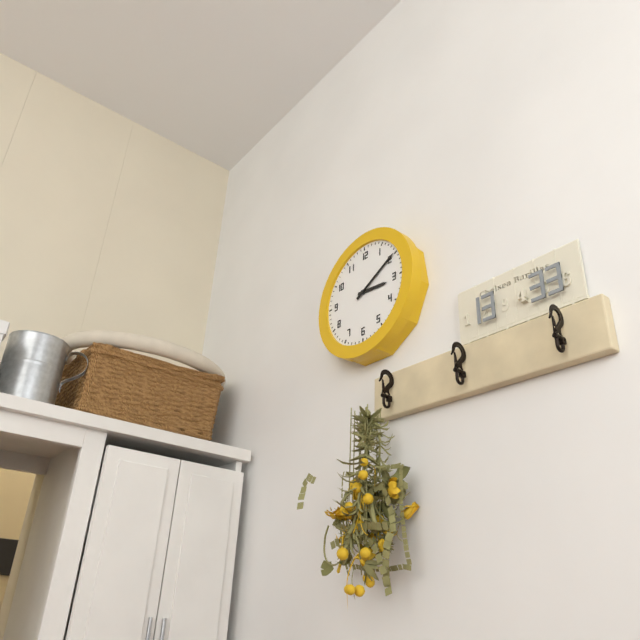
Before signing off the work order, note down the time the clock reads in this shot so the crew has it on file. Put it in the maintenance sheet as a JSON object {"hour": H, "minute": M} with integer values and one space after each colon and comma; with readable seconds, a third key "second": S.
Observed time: {"hour": 3, "minute": 10}
